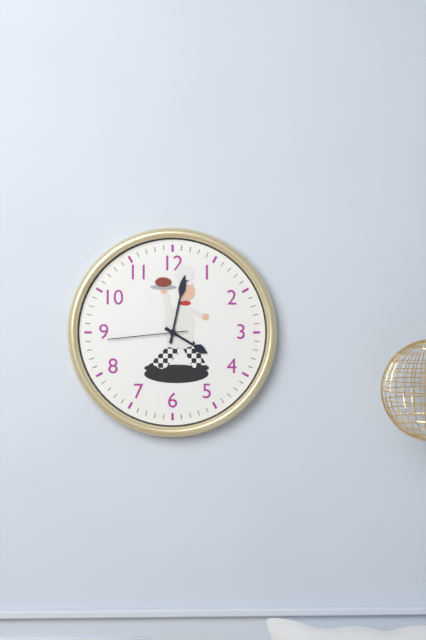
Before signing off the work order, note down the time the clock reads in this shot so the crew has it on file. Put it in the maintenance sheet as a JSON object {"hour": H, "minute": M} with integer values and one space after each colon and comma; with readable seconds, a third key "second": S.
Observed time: {"hour": 4, "minute": 2, "second": 44}
